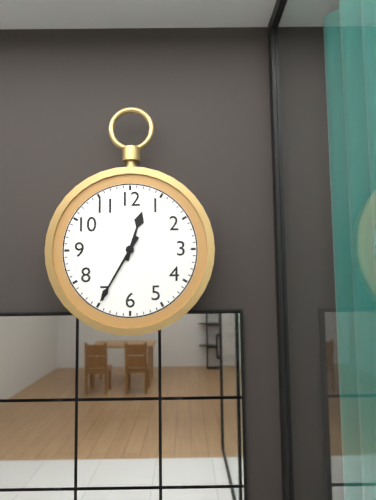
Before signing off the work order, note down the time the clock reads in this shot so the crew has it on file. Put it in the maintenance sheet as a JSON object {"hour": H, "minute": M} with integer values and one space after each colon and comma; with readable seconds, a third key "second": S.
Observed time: {"hour": 12, "minute": 35}
